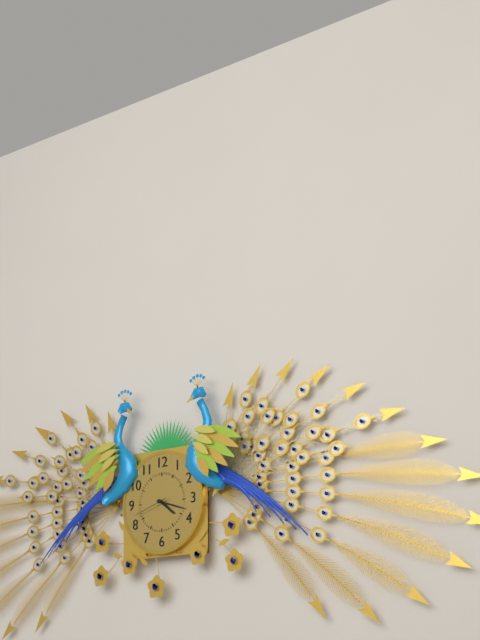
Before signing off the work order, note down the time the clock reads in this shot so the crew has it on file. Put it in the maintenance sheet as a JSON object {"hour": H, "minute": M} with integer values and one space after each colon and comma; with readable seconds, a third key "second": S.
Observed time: {"hour": 4, "minute": 18}
